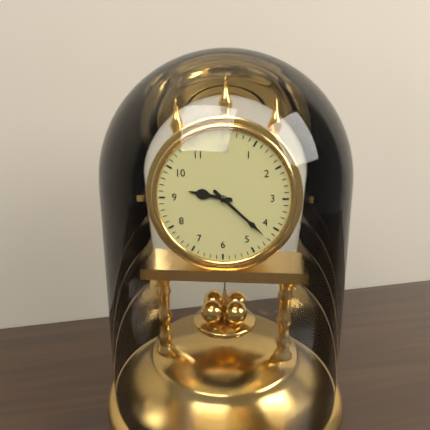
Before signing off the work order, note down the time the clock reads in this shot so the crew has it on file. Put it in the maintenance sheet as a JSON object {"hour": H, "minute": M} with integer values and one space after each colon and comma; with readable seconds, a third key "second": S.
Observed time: {"hour": 9, "minute": 22}
